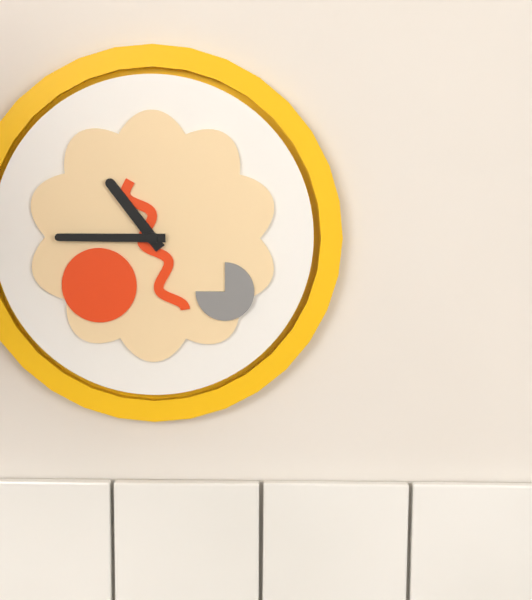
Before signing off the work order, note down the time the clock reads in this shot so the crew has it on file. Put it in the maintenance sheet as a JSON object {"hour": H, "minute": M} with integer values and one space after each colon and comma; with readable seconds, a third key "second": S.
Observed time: {"hour": 10, "minute": 45}
